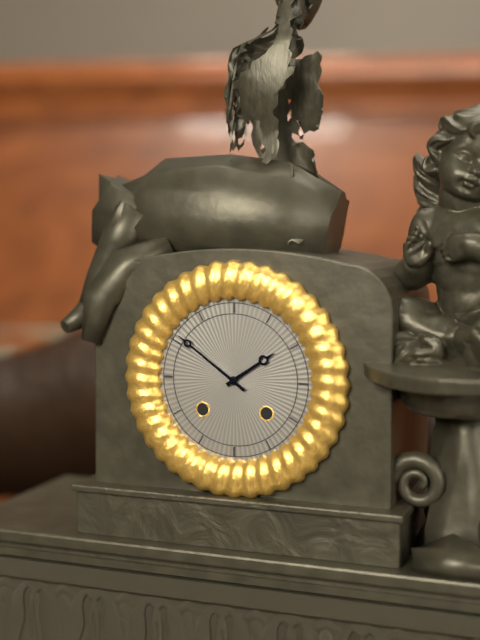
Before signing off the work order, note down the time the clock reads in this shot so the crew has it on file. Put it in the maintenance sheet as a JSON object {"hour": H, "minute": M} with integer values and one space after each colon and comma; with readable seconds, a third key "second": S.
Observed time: {"hour": 1, "minute": 51}
